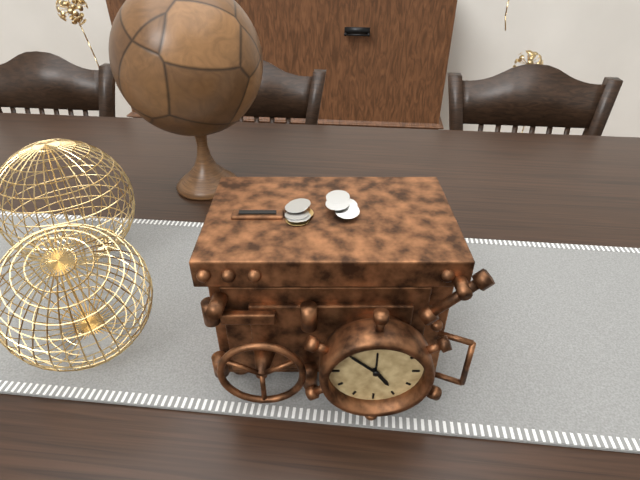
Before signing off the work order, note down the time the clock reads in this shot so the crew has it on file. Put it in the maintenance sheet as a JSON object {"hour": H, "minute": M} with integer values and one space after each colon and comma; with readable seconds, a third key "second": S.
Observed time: {"hour": 4, "minute": 52}
